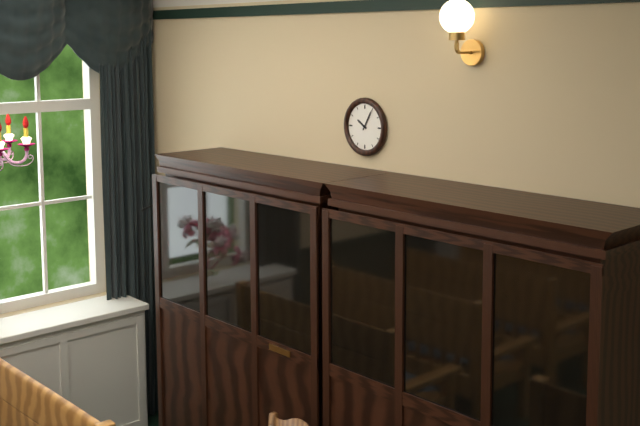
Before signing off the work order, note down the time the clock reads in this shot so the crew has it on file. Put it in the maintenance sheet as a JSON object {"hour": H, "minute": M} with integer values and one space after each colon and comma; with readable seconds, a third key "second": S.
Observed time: {"hour": 10, "minute": 5}
